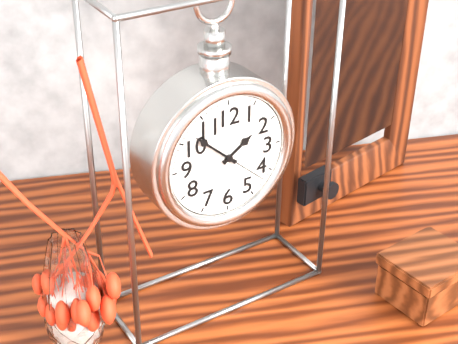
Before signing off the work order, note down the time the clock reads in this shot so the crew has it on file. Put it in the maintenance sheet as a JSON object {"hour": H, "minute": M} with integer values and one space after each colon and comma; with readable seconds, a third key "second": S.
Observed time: {"hour": 1, "minute": 52, "second": 22}
